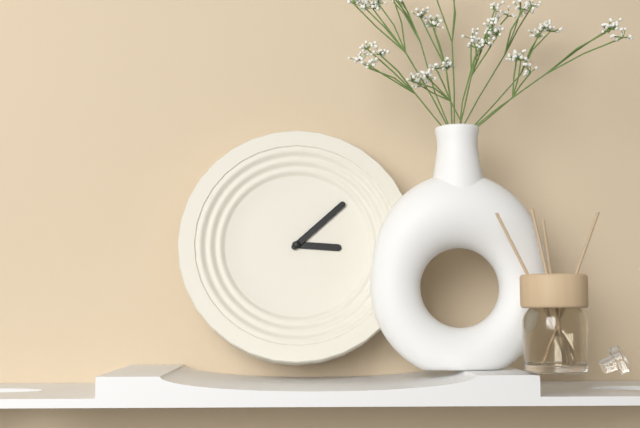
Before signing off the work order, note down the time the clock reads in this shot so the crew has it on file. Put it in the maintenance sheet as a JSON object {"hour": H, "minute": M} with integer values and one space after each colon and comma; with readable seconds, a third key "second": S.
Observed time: {"hour": 3, "minute": 8}
